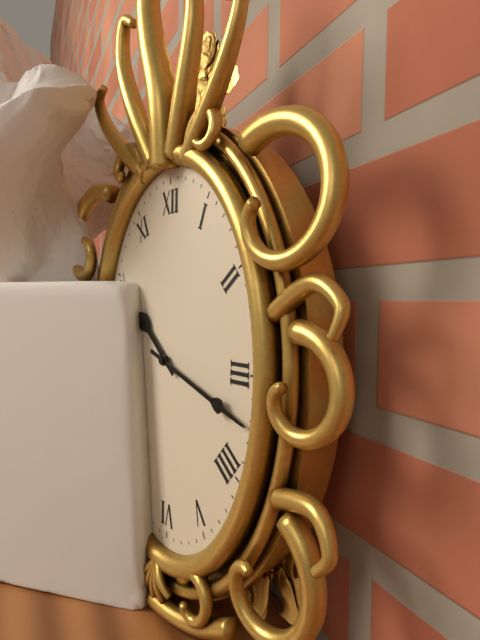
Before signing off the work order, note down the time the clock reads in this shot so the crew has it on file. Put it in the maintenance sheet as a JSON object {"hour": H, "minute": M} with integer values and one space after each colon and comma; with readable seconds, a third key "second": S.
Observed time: {"hour": 10, "minute": 18}
